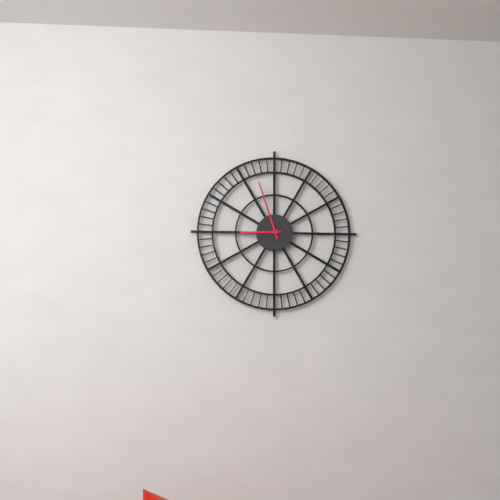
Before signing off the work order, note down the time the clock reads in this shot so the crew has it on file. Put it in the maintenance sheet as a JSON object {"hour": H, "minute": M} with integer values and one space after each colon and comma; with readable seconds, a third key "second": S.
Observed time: {"hour": 8, "minute": 57}
